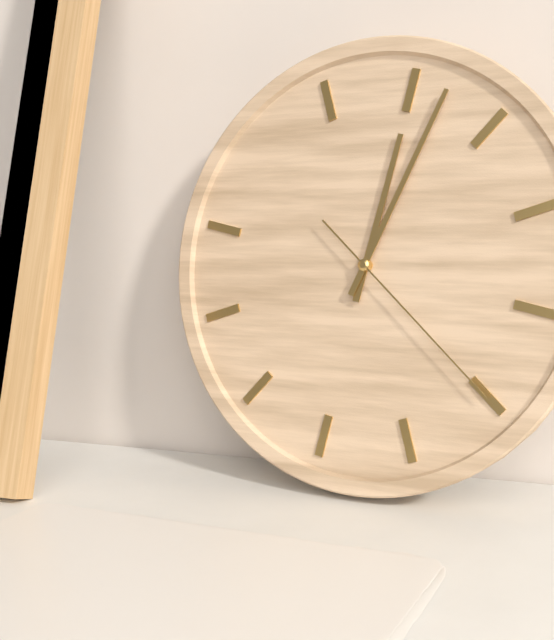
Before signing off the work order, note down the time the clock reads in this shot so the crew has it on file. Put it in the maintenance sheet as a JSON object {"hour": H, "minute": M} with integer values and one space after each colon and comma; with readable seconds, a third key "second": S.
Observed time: {"hour": 12, "minute": 2, "second": 20}
